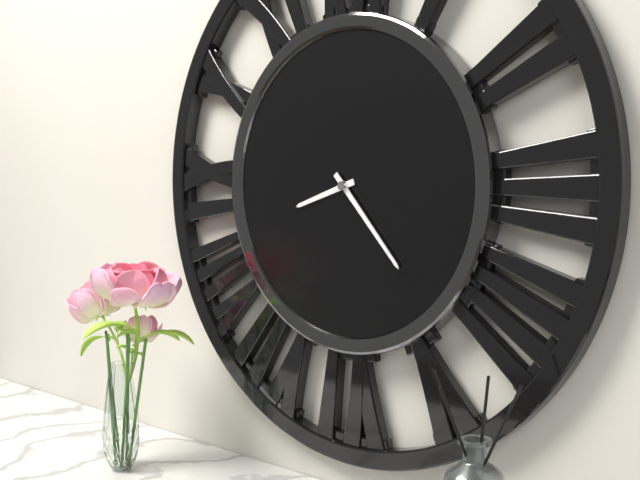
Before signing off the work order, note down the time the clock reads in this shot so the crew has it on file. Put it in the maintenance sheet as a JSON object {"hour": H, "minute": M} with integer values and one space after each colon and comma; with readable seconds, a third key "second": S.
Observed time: {"hour": 8, "minute": 23}
